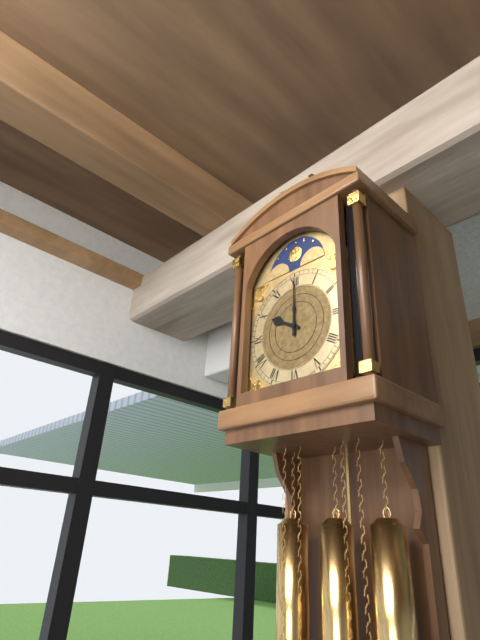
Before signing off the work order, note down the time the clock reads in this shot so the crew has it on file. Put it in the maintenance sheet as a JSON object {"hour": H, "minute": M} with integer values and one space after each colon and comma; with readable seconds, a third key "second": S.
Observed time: {"hour": 10, "minute": 0}
